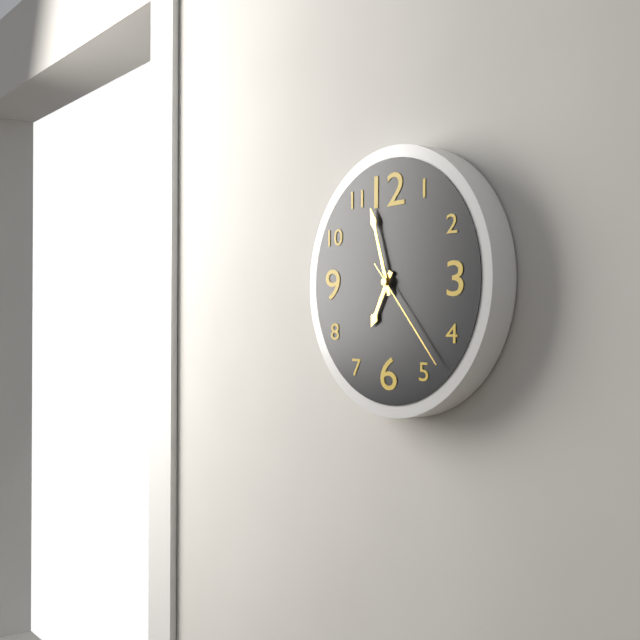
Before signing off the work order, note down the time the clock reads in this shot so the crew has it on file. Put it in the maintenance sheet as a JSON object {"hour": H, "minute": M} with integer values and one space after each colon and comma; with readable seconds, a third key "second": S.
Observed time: {"hour": 6, "minute": 57, "second": 23}
